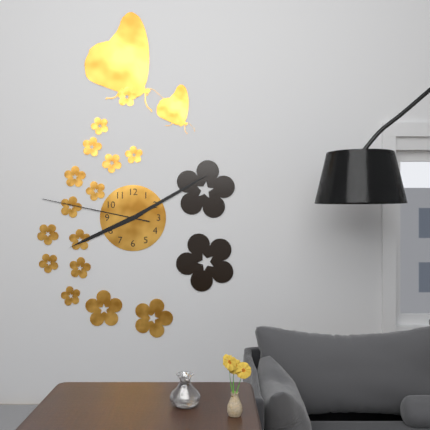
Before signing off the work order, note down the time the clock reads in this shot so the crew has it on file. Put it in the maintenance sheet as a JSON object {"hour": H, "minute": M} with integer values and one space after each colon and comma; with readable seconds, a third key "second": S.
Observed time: {"hour": 8, "minute": 10, "second": 47}
